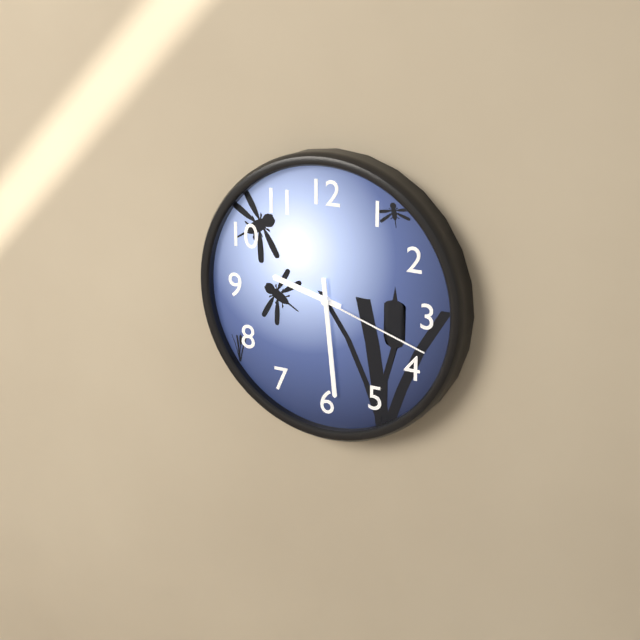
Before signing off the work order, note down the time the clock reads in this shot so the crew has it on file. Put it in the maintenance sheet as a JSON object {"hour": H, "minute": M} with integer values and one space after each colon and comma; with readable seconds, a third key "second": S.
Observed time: {"hour": 9, "minute": 29, "second": 18}
